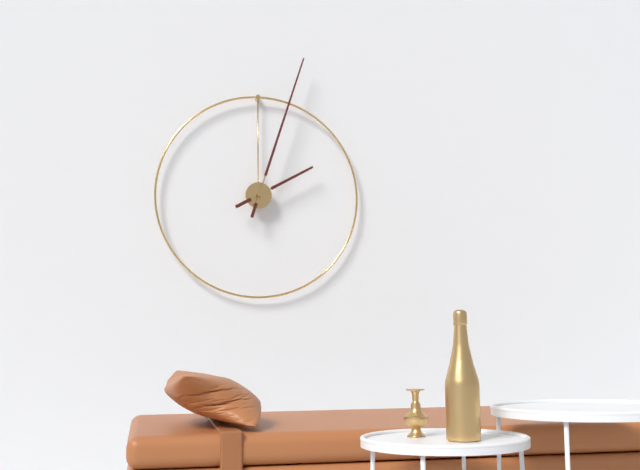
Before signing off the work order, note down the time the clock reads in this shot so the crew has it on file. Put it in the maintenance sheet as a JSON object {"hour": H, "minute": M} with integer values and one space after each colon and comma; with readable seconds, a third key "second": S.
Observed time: {"hour": 2, "minute": 3}
